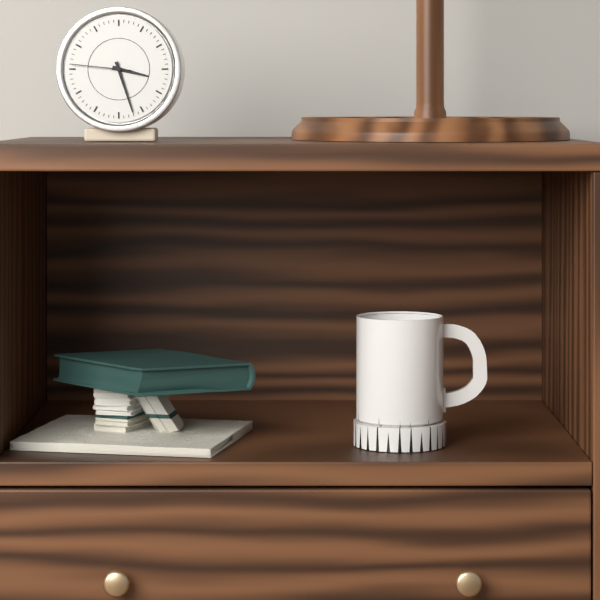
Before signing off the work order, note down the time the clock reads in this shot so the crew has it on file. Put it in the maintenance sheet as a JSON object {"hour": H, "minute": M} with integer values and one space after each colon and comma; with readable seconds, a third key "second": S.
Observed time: {"hour": 3, "minute": 27, "second": 46}
